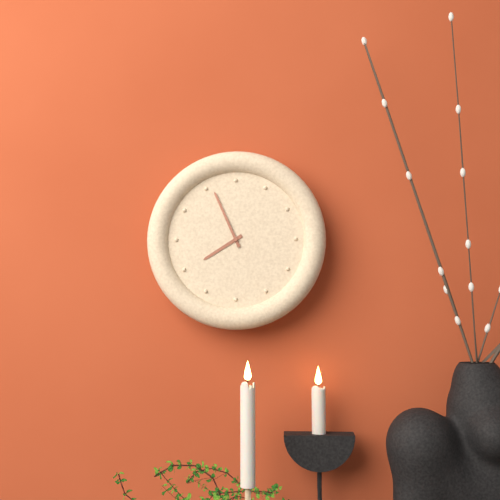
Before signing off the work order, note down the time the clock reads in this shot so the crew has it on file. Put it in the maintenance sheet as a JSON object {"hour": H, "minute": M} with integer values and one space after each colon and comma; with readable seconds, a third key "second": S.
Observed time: {"hour": 7, "minute": 56}
